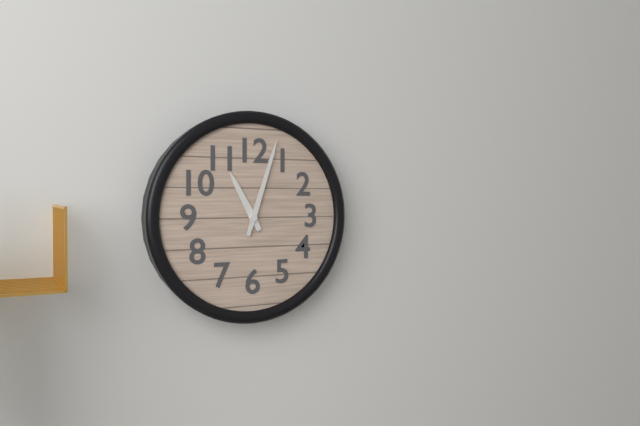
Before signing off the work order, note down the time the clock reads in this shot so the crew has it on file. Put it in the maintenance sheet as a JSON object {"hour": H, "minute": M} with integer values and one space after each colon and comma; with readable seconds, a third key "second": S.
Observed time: {"hour": 11, "minute": 3}
